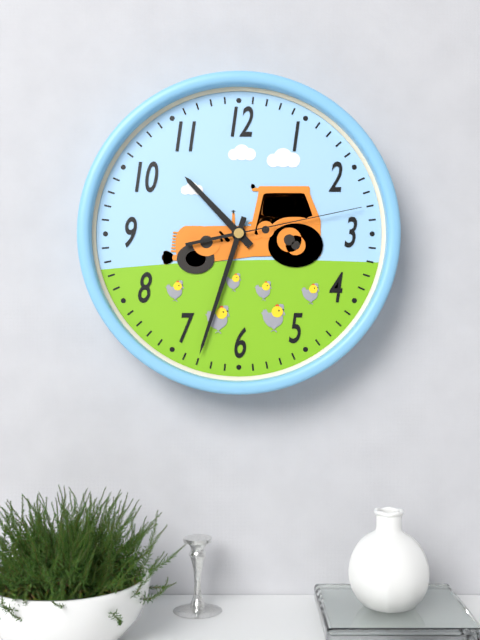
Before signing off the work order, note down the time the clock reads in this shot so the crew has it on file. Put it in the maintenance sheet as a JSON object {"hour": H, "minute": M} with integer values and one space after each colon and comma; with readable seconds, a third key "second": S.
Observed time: {"hour": 10, "minute": 33, "second": 13}
